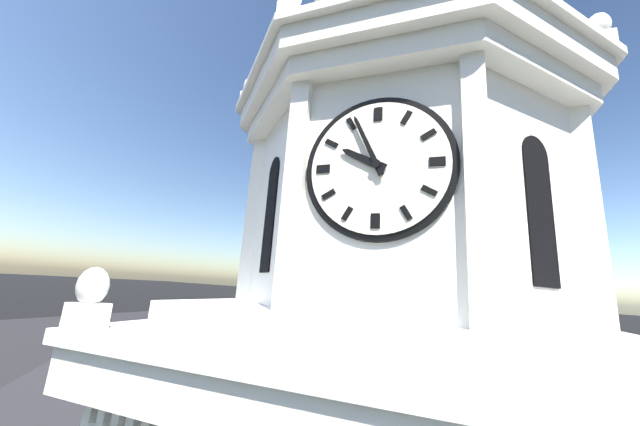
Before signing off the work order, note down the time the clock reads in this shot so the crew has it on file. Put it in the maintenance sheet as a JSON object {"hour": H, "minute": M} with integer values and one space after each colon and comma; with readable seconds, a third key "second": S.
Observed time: {"hour": 9, "minute": 56}
